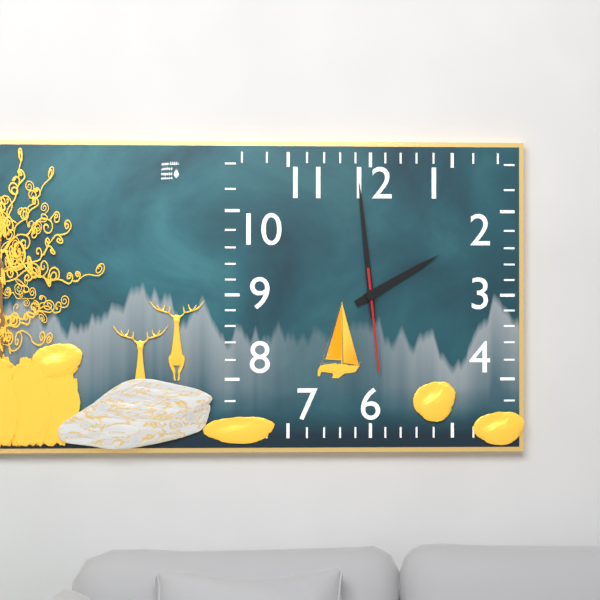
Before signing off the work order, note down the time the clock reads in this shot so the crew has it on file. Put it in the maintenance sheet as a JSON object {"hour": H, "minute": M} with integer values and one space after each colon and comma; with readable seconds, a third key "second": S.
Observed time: {"hour": 1, "minute": 59, "second": 29}
